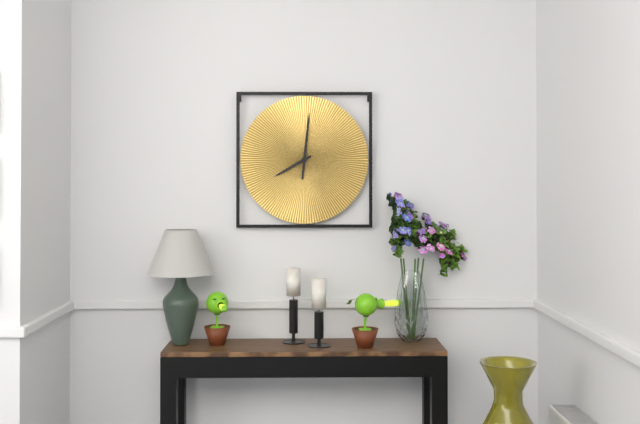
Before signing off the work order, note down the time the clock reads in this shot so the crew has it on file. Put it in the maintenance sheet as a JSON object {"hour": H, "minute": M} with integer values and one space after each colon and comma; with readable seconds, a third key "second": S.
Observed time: {"hour": 8, "minute": 1}
